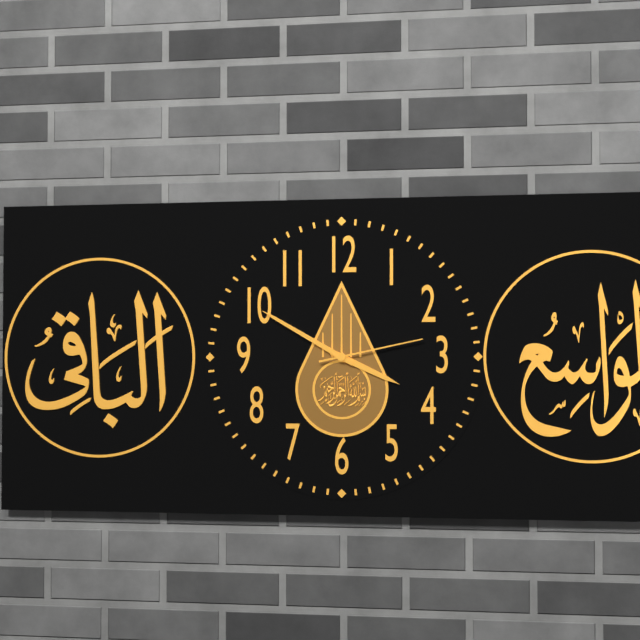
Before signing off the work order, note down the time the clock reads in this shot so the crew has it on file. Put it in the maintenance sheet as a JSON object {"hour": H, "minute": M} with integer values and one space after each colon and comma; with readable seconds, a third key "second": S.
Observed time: {"hour": 3, "minute": 50, "second": 13}
